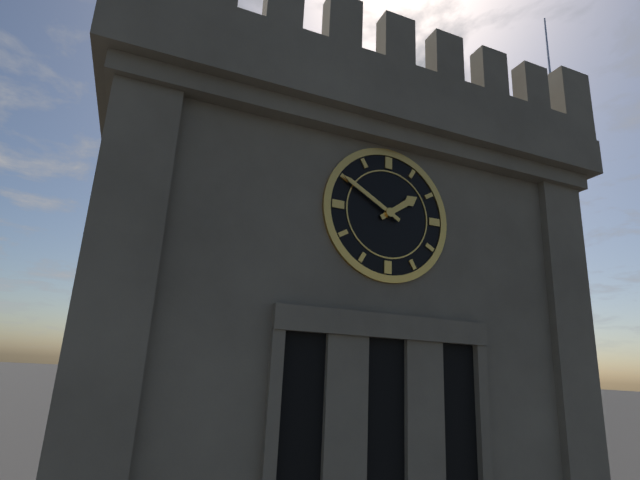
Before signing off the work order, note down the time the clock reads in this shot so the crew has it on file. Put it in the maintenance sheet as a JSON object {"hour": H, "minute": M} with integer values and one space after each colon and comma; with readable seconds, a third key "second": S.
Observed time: {"hour": 1, "minute": 50}
